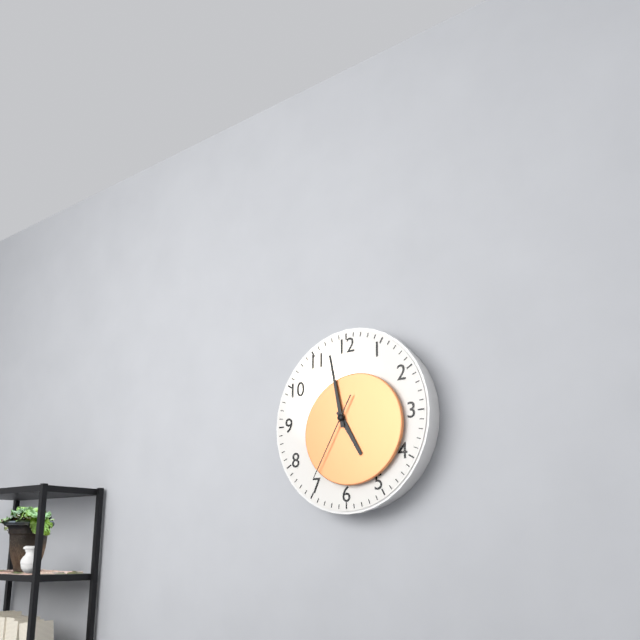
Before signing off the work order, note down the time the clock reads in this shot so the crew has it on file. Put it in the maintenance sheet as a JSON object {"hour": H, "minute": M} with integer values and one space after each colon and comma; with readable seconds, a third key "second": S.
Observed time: {"hour": 4, "minute": 58, "second": 35}
